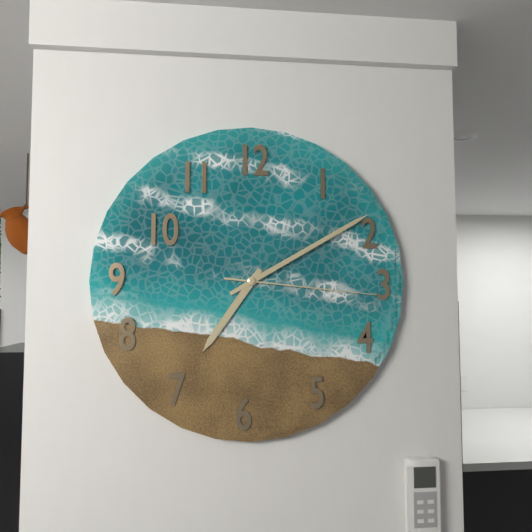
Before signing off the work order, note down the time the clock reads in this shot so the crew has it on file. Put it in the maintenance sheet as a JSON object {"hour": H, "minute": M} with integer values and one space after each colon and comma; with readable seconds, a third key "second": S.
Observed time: {"hour": 7, "minute": 10, "second": 16}
